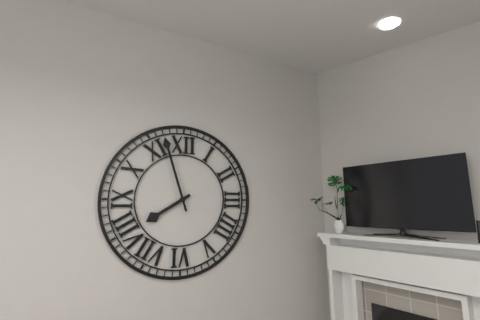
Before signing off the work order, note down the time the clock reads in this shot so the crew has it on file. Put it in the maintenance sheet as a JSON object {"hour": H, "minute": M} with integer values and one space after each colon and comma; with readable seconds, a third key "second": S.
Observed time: {"hour": 7, "minute": 57}
